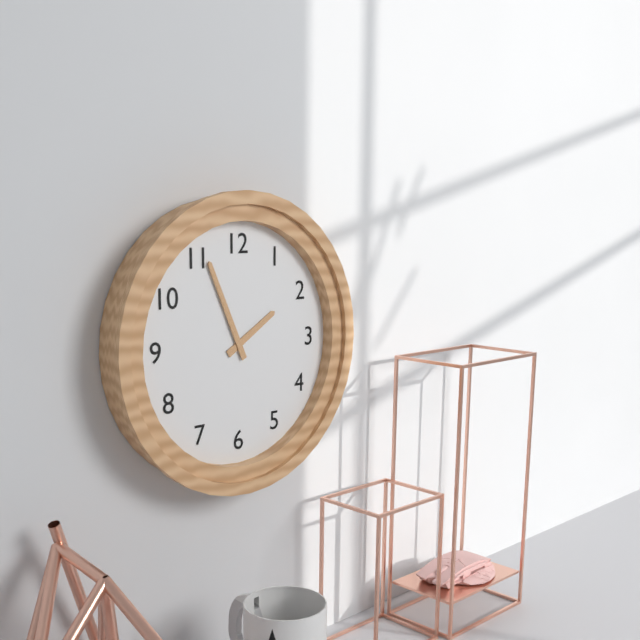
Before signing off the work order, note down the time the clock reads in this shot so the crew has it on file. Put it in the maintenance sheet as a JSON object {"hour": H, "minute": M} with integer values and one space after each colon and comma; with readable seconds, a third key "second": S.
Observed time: {"hour": 1, "minute": 56}
